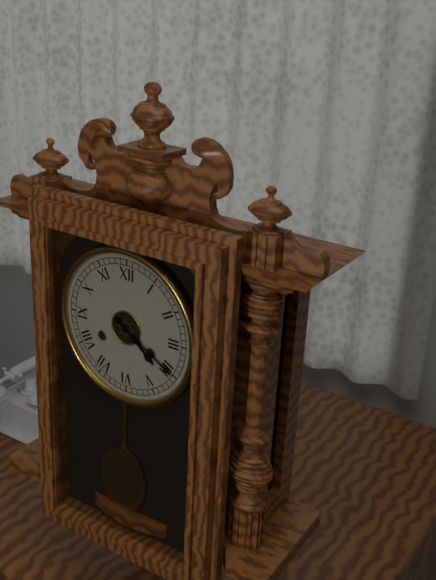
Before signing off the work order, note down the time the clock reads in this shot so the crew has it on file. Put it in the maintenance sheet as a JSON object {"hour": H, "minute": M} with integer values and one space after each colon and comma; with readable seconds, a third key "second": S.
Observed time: {"hour": 4, "minute": 20}
